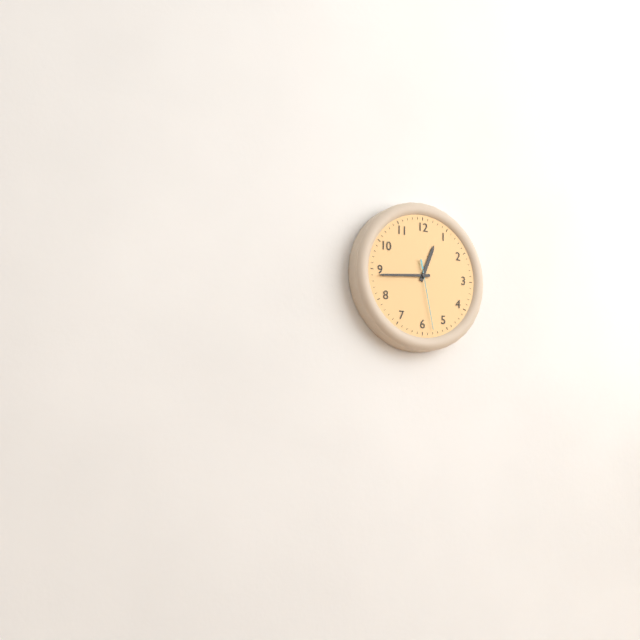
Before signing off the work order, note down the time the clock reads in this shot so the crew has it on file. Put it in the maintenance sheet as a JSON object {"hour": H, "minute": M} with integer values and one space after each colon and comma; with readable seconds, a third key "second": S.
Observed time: {"hour": 12, "minute": 44, "second": 28}
